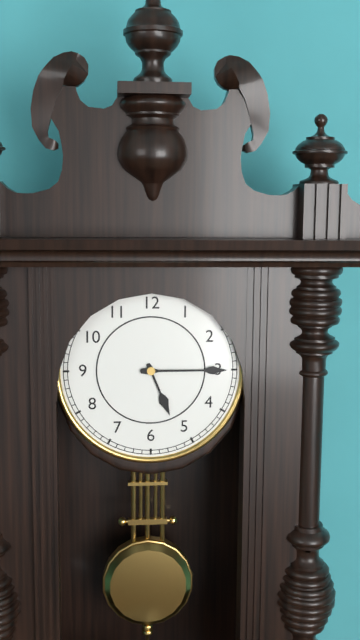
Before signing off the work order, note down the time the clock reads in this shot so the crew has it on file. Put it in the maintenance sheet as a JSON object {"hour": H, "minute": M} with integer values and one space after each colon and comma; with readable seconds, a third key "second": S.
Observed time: {"hour": 5, "minute": 15}
